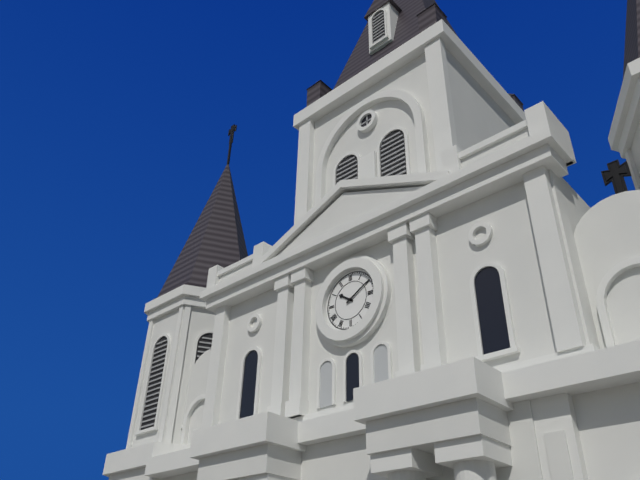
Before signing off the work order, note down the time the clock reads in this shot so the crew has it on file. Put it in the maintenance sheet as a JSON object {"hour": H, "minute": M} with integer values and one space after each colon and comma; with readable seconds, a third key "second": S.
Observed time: {"hour": 10, "minute": 10}
